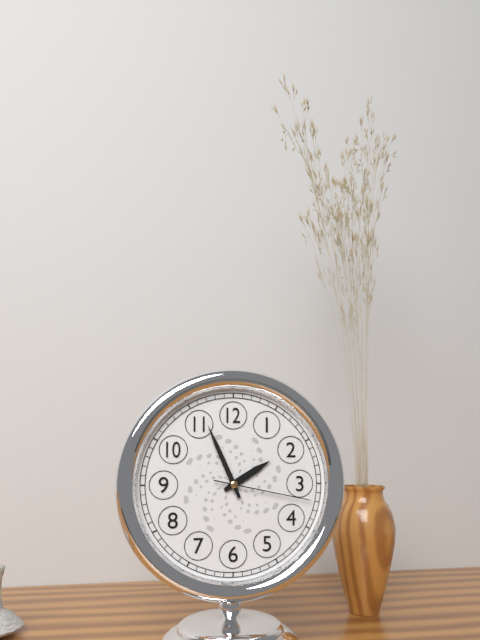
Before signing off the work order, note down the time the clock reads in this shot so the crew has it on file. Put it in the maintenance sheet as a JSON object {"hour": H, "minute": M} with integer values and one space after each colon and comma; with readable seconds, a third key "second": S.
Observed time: {"hour": 1, "minute": 56, "second": 17}
